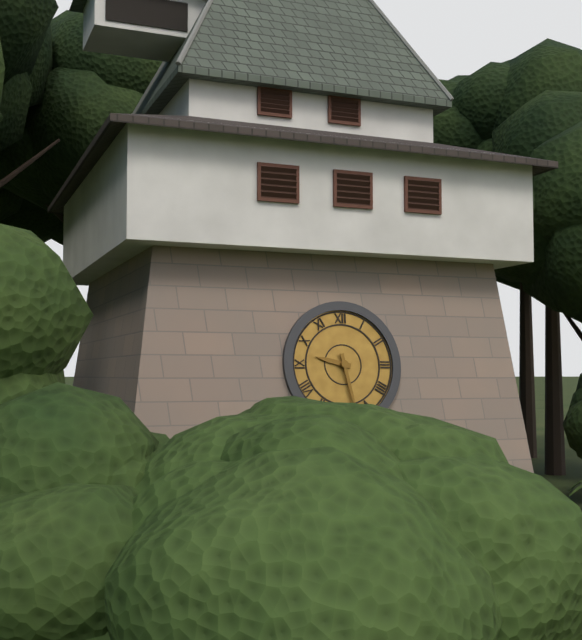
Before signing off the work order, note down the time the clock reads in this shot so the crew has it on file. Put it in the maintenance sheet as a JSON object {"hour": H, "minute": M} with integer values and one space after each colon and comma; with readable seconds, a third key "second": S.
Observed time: {"hour": 9, "minute": 28}
